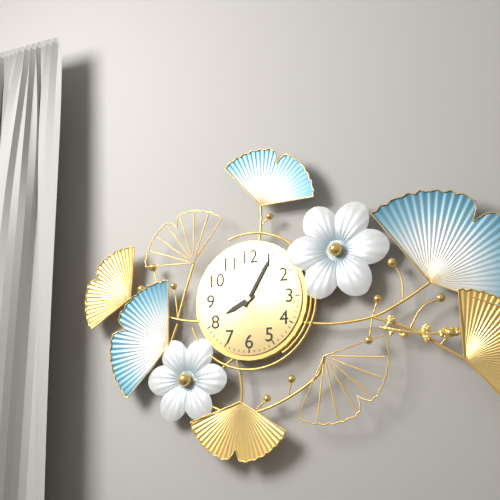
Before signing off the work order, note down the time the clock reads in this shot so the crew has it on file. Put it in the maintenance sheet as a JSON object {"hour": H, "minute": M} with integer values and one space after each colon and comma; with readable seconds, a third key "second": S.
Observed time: {"hour": 8, "minute": 5}
